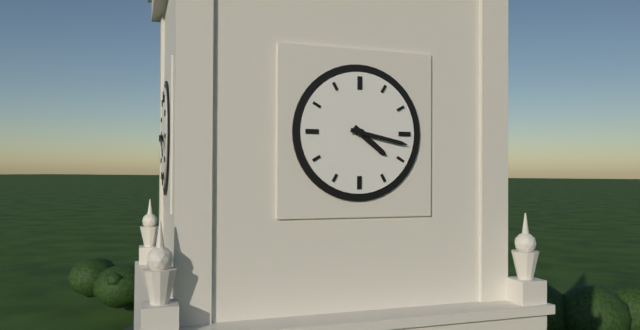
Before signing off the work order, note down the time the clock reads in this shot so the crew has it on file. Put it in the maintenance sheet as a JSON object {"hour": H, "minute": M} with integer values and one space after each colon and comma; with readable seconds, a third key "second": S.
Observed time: {"hour": 4, "minute": 17}
